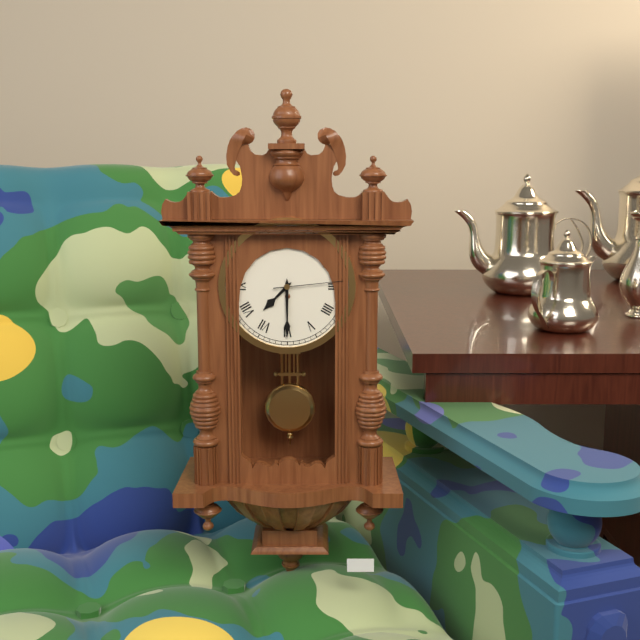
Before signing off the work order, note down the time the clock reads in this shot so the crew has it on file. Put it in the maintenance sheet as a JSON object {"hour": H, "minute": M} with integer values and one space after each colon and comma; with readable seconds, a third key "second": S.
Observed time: {"hour": 7, "minute": 30, "second": 14}
